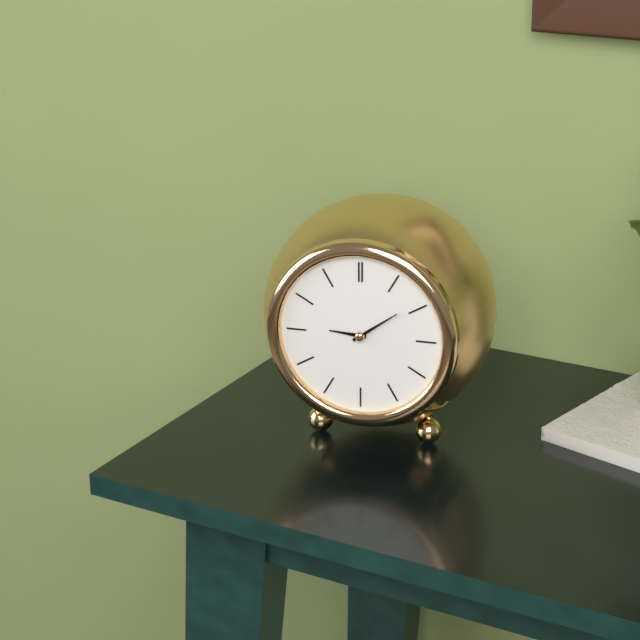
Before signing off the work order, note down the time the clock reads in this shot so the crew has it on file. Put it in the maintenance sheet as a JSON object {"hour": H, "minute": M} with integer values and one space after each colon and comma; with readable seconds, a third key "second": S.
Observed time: {"hour": 9, "minute": 9}
